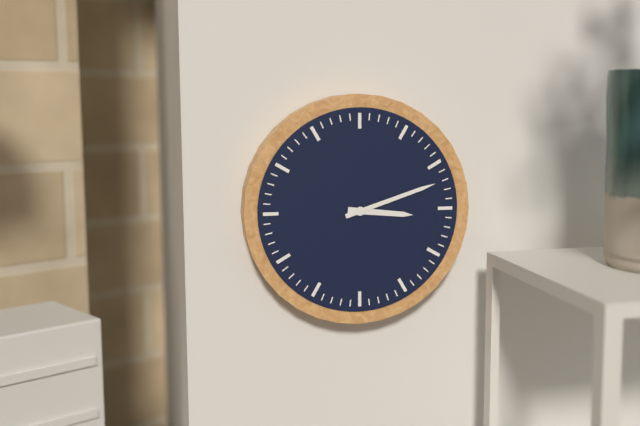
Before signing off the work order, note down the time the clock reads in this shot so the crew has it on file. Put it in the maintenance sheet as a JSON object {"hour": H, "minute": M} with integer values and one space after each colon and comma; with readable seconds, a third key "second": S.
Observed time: {"hour": 3, "minute": 12}
